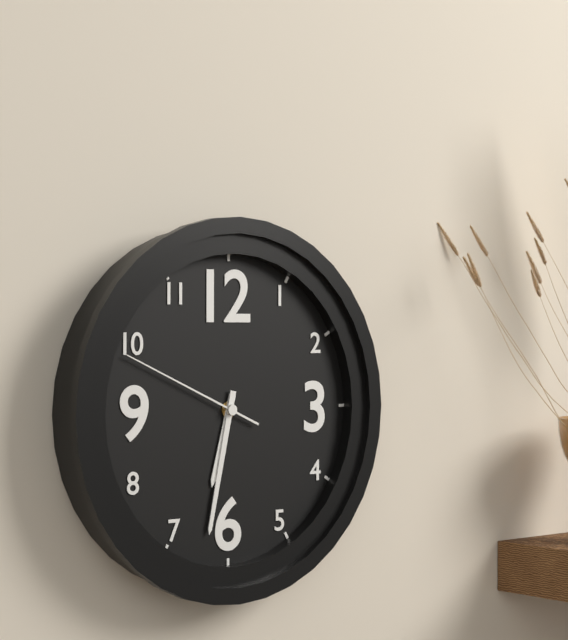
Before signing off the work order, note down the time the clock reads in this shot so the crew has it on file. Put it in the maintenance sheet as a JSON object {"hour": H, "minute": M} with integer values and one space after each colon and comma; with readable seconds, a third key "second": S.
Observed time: {"hour": 6, "minute": 32, "second": 49}
